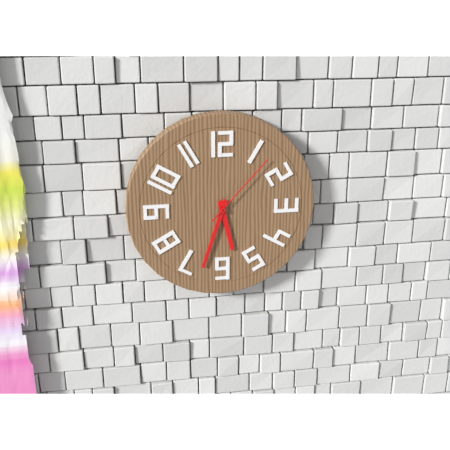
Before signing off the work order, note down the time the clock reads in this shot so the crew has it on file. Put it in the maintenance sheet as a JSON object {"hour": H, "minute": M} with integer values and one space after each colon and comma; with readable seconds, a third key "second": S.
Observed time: {"hour": 5, "minute": 33, "second": 7}
